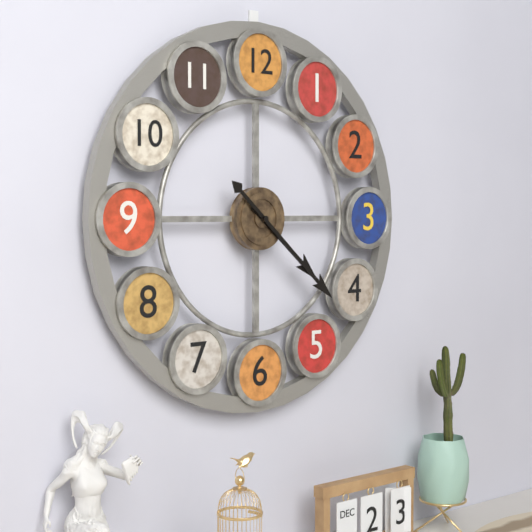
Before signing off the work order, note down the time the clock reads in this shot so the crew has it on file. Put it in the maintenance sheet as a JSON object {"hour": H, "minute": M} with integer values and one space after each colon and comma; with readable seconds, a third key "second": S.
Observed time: {"hour": 4, "minute": 22}
